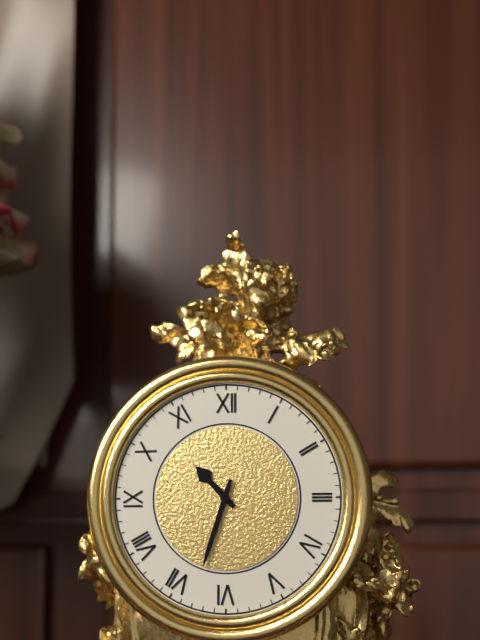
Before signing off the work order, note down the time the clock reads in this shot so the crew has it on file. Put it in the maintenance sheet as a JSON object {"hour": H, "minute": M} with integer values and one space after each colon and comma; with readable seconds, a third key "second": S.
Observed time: {"hour": 10, "minute": 33}
